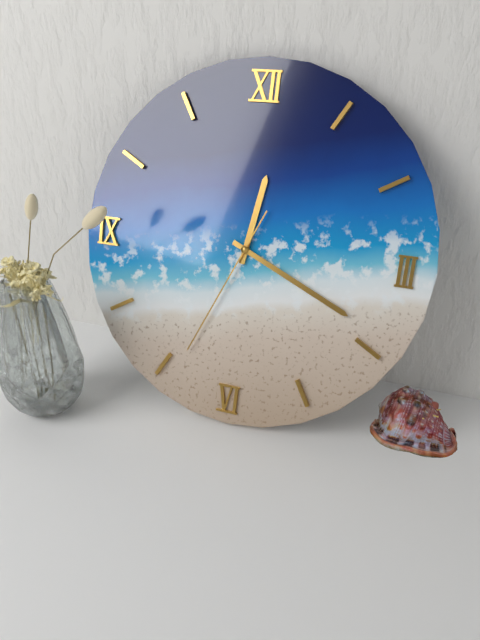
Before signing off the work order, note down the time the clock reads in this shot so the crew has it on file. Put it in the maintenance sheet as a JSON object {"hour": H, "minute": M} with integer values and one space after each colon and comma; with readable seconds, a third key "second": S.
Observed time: {"hour": 12, "minute": 19, "second": 34}
